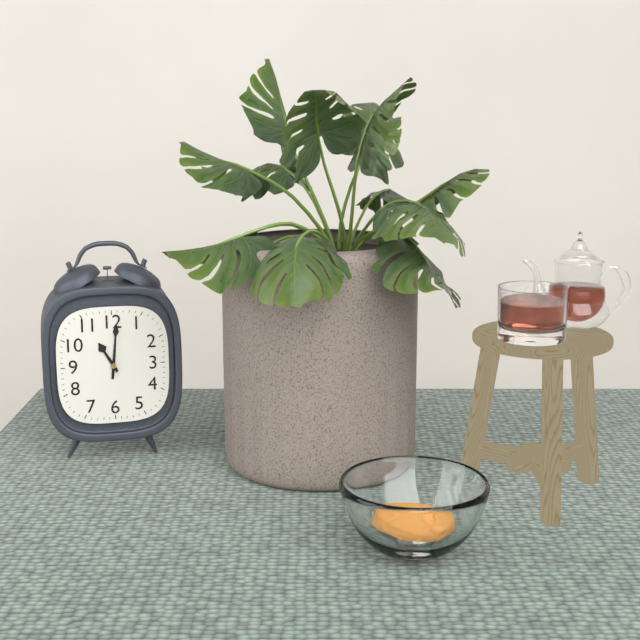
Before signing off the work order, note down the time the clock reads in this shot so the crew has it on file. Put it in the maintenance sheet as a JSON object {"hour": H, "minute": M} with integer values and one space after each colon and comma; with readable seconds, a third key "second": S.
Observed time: {"hour": 11, "minute": 1}
